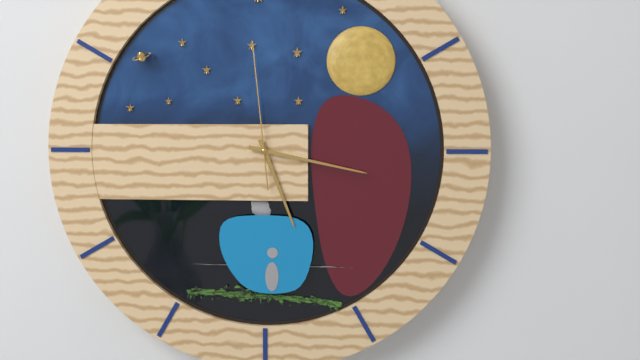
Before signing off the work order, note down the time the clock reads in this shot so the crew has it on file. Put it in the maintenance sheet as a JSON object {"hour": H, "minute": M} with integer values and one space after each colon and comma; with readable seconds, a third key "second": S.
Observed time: {"hour": 5, "minute": 17, "second": 59}
